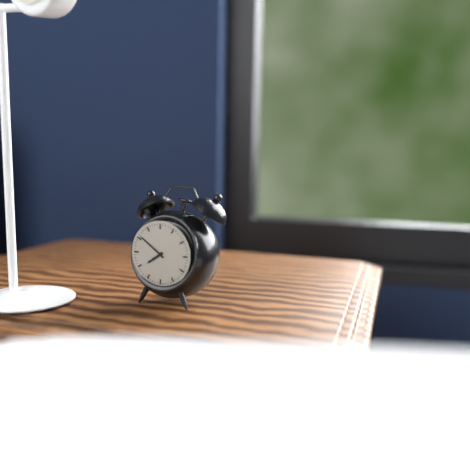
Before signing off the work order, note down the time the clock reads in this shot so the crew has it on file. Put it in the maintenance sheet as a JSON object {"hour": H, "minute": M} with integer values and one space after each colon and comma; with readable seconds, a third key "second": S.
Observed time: {"hour": 7, "minute": 51}
